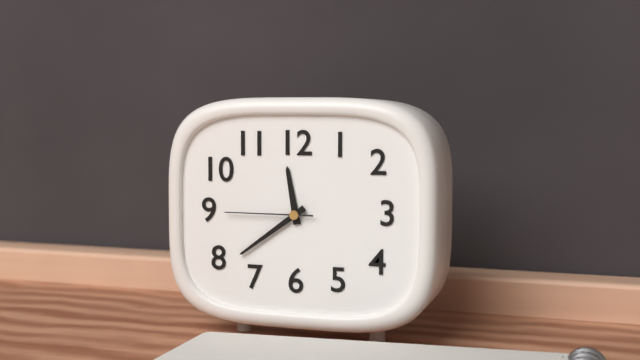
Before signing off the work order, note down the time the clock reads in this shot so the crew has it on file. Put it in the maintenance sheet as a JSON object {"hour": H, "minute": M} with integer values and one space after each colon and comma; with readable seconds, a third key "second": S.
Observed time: {"hour": 11, "minute": 39, "second": 45}
